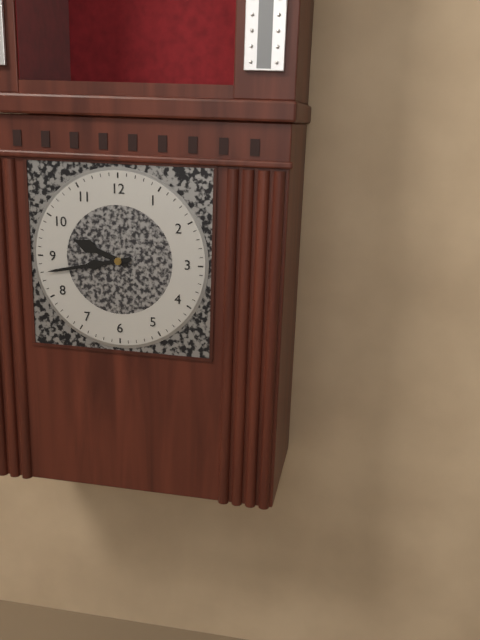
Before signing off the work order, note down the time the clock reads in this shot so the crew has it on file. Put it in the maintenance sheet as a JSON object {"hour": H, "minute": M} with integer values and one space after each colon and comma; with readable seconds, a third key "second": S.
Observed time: {"hour": 9, "minute": 43}
